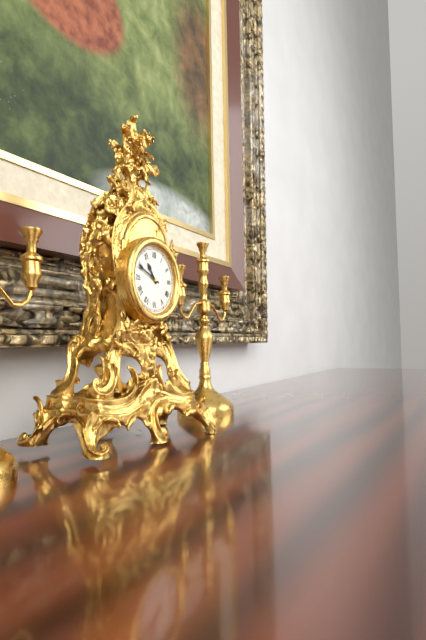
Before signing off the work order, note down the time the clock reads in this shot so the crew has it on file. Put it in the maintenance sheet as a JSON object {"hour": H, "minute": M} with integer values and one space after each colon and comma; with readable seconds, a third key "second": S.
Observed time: {"hour": 10, "minute": 49}
